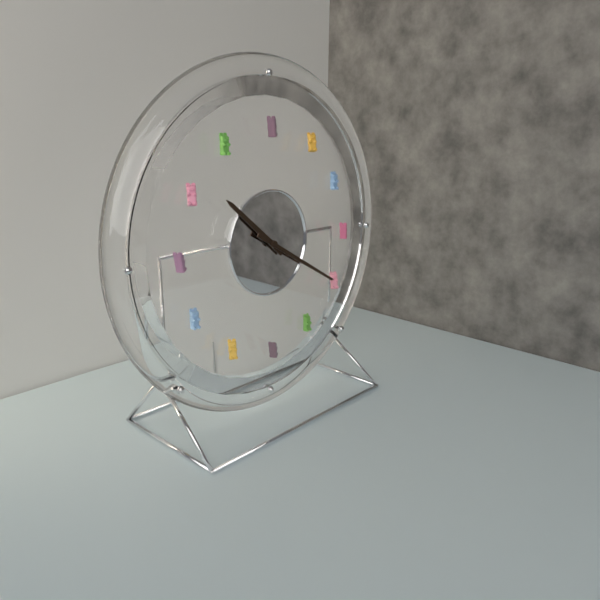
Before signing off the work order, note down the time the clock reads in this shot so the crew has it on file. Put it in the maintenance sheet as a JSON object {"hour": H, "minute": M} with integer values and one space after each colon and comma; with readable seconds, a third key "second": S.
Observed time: {"hour": 10, "minute": 20}
